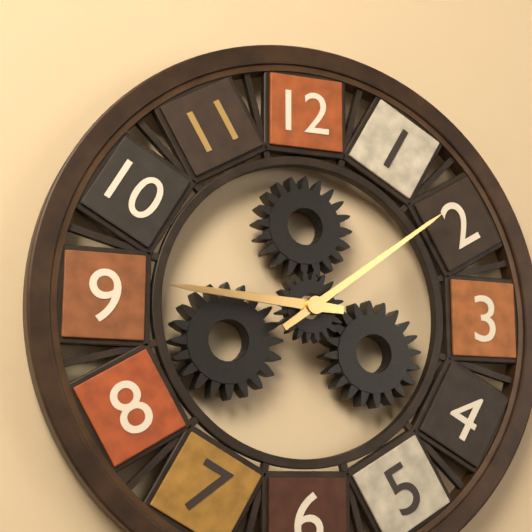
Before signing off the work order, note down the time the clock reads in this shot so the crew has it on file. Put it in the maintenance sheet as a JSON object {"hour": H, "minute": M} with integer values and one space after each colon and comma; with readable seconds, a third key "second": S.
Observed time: {"hour": 9, "minute": 9}
